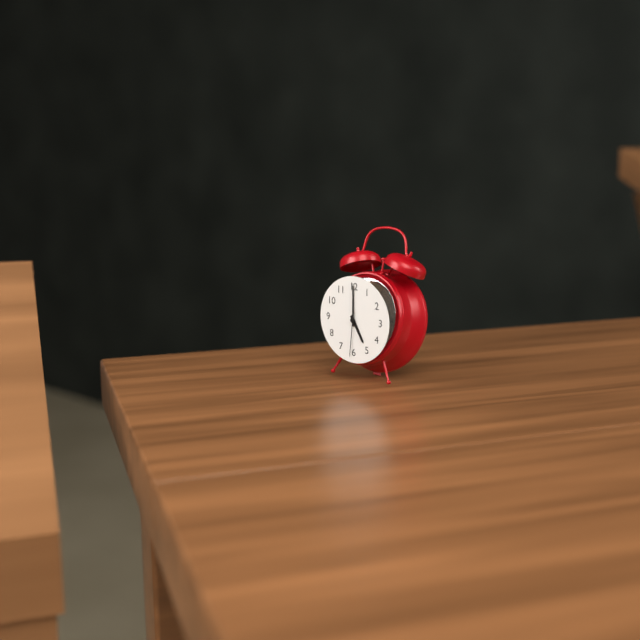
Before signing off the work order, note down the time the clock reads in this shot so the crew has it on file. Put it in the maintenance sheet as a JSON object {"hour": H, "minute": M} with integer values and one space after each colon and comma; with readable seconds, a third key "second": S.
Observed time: {"hour": 5, "minute": 0}
